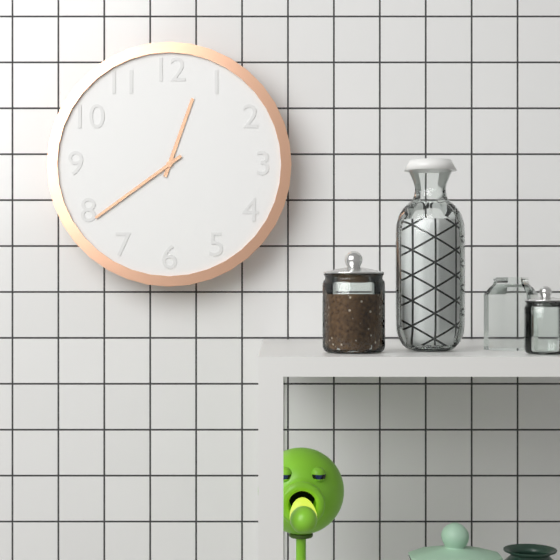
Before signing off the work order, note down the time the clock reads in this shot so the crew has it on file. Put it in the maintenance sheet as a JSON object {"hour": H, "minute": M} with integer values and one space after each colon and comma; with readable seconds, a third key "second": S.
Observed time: {"hour": 12, "minute": 39}
